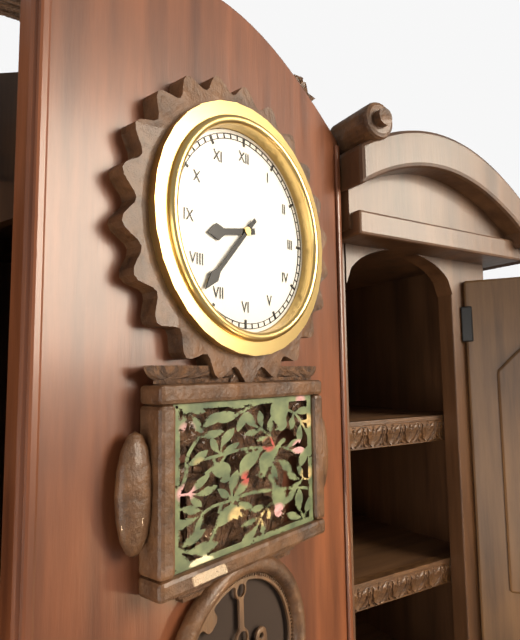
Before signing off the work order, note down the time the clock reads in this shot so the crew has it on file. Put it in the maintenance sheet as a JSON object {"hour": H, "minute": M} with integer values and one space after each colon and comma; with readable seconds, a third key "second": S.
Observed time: {"hour": 8, "minute": 37}
